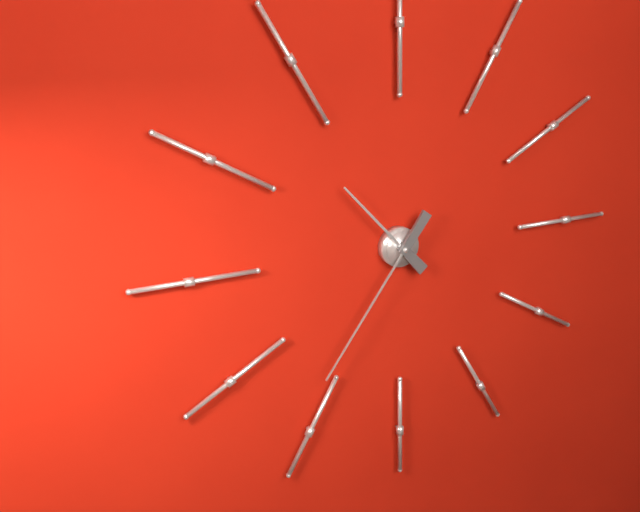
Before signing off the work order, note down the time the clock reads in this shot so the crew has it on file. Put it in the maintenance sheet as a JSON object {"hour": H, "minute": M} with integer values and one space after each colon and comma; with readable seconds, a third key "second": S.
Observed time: {"hour": 10, "minute": 36}
